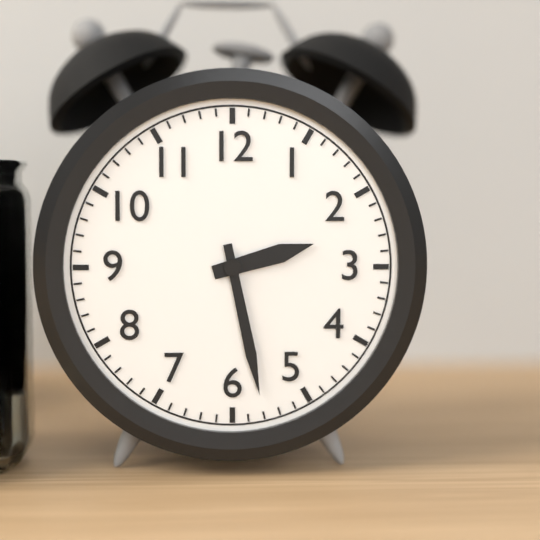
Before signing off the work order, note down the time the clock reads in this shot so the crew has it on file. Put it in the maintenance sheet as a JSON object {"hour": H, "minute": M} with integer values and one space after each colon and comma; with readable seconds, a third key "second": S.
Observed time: {"hour": 2, "minute": 28}
